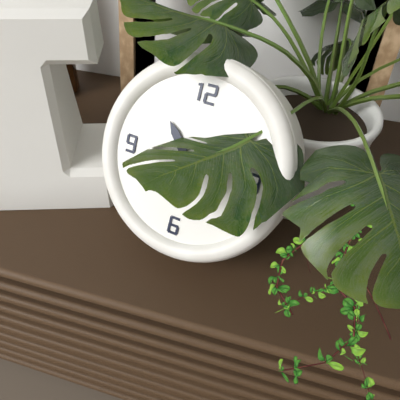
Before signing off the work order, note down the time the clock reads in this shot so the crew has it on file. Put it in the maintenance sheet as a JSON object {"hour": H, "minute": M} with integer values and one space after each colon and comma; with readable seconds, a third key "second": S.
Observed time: {"hour": 10, "minute": 40}
